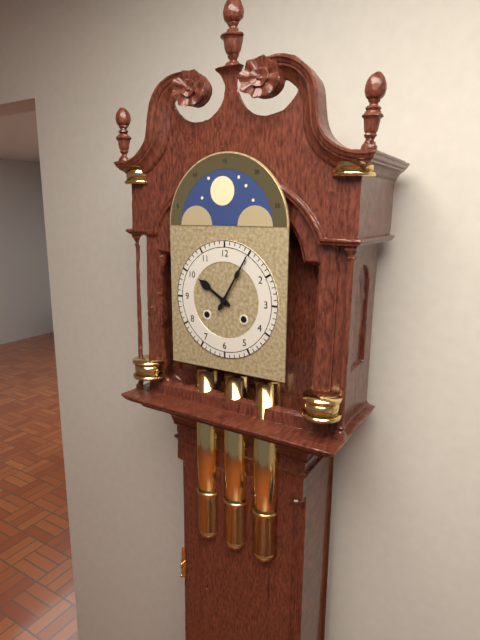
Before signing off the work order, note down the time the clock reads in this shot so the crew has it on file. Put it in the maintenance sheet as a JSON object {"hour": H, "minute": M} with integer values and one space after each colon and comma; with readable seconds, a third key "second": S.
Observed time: {"hour": 10, "minute": 5}
